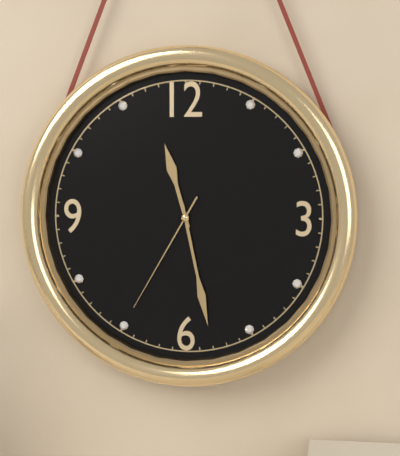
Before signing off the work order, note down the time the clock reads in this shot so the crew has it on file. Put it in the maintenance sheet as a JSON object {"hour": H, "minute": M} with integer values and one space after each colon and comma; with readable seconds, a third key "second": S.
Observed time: {"hour": 11, "minute": 28, "second": 35}
